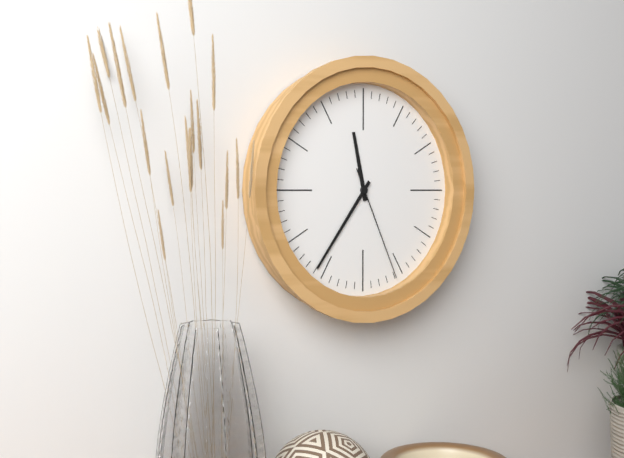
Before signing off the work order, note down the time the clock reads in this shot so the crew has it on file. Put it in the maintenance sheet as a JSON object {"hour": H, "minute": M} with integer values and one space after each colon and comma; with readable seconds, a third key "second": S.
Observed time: {"hour": 11, "minute": 36, "second": 26}
